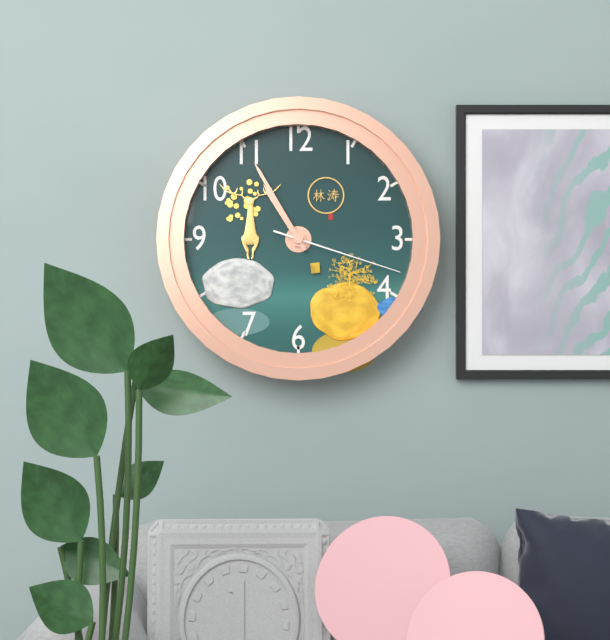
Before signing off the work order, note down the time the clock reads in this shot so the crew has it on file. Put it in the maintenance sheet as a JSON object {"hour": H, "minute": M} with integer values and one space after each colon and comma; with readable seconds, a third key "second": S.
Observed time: {"hour": 10, "minute": 55, "second": 18}
